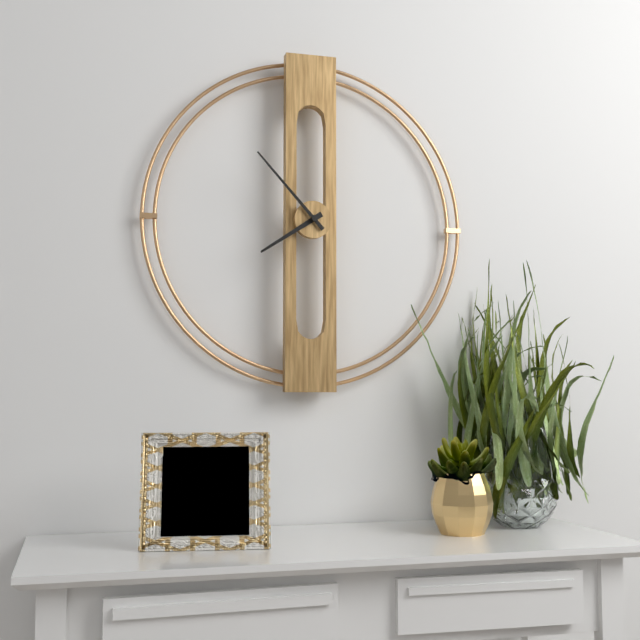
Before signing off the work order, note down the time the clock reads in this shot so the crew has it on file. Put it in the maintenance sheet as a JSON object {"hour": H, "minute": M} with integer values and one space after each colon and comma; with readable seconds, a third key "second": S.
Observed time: {"hour": 7, "minute": 53}
